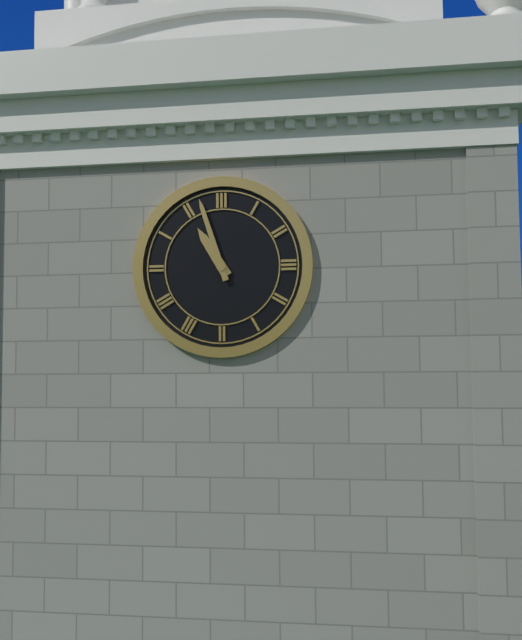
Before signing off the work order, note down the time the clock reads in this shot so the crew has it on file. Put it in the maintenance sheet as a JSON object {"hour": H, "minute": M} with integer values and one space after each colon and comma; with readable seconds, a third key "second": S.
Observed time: {"hour": 10, "minute": 57}
